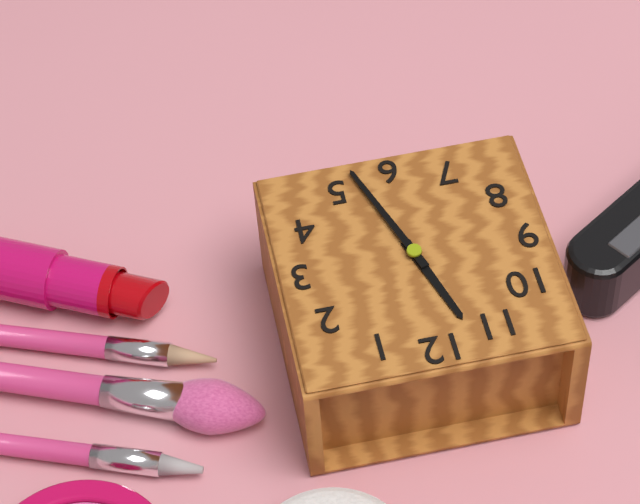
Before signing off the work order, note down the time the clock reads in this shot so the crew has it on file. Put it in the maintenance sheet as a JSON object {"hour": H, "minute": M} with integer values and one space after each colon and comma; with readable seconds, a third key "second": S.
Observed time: {"hour": 11, "minute": 27}
